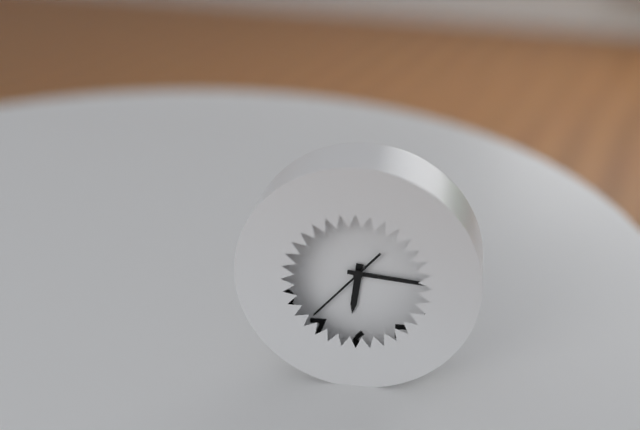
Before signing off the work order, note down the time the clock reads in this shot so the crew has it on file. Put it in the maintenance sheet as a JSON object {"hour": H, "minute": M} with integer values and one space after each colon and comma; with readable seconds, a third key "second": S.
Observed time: {"hour": 6, "minute": 16, "second": 37}
